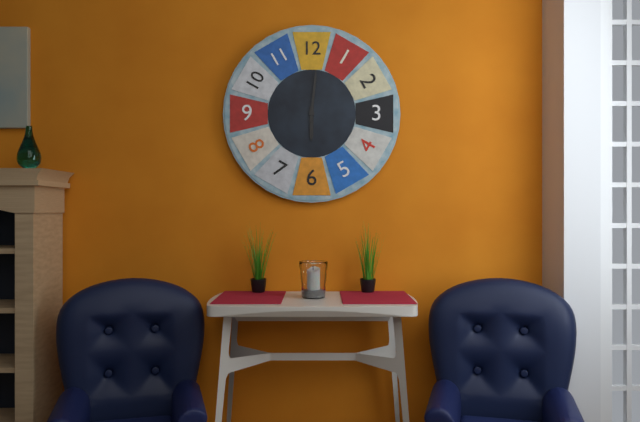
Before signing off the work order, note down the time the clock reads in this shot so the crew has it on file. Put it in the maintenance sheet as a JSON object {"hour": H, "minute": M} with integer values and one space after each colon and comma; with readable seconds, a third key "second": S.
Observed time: {"hour": 6, "minute": 1}
